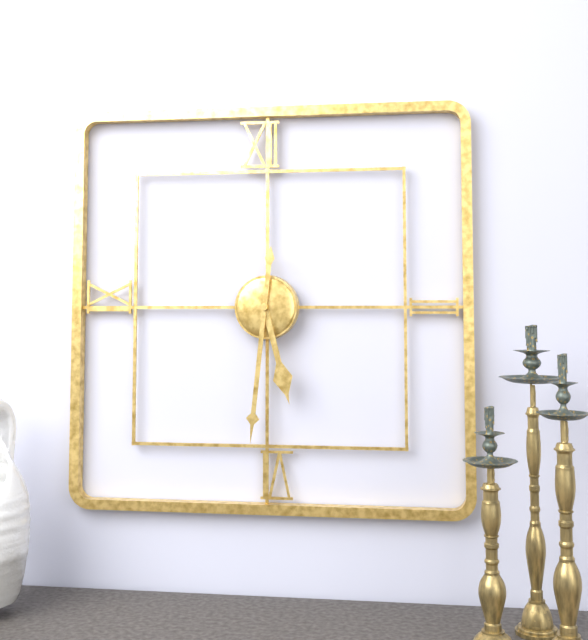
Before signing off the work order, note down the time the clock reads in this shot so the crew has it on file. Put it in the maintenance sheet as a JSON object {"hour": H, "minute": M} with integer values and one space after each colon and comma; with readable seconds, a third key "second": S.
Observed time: {"hour": 5, "minute": 31}
